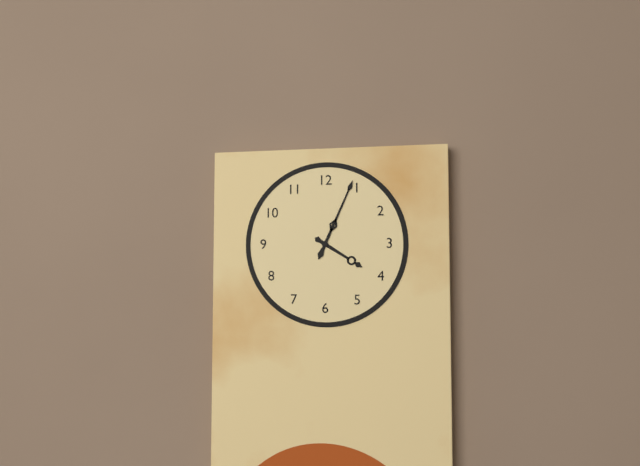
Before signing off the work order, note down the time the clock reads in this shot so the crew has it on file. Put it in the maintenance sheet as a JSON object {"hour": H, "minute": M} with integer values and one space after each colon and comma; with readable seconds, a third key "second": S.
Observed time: {"hour": 4, "minute": 4}
